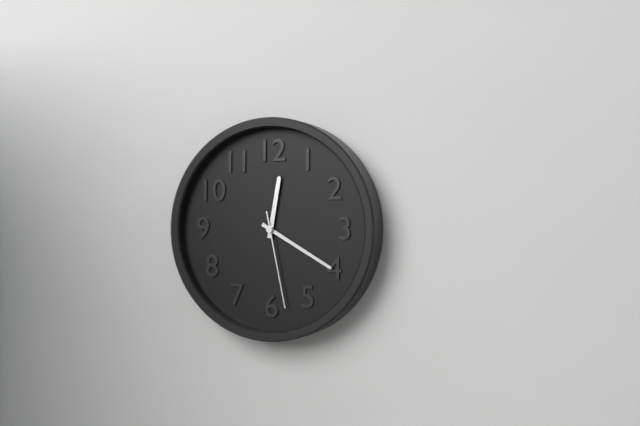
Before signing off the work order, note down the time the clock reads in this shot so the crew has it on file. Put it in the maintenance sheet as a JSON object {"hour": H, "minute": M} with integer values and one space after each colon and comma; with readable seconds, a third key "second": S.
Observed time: {"hour": 12, "minute": 20, "second": 28}
